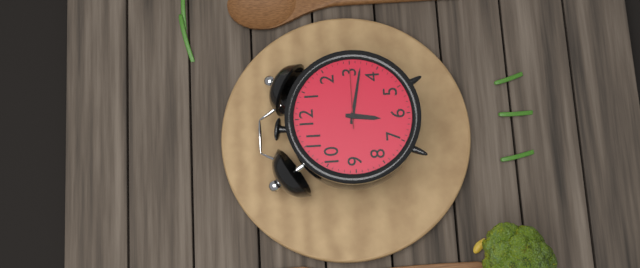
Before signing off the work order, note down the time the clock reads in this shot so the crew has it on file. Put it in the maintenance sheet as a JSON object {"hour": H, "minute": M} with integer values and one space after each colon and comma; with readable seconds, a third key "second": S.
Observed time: {"hour": 6, "minute": 17, "second": 15}
